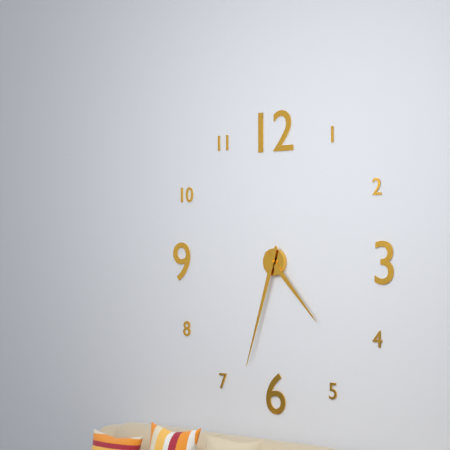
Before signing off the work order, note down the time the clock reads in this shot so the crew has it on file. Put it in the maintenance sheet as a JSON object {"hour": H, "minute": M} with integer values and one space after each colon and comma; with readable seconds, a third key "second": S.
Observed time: {"hour": 4, "minute": 33}
